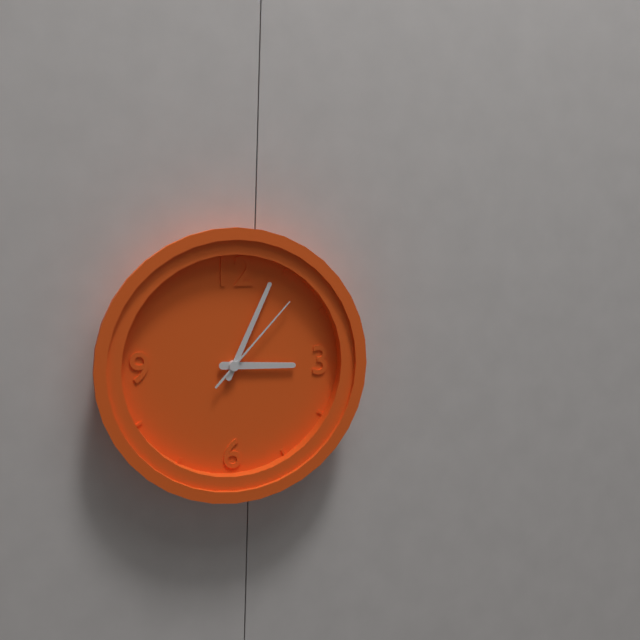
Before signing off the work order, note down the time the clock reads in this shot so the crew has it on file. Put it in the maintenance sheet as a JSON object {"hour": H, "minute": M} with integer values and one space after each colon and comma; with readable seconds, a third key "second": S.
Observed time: {"hour": 3, "minute": 4, "second": 7}
